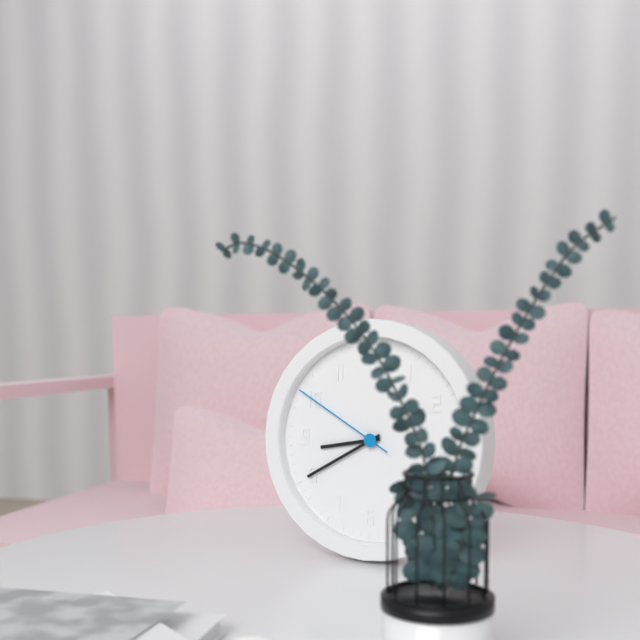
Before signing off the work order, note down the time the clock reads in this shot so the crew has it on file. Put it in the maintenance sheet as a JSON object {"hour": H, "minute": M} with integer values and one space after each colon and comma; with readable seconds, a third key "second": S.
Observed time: {"hour": 8, "minute": 40, "second": 50}
